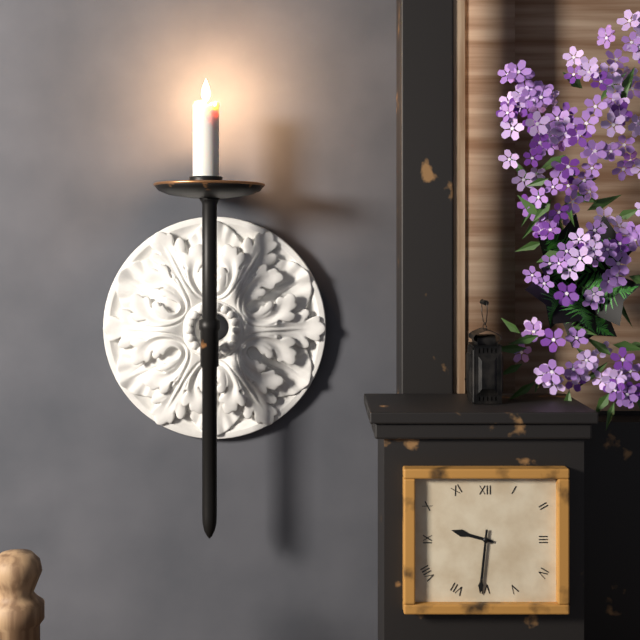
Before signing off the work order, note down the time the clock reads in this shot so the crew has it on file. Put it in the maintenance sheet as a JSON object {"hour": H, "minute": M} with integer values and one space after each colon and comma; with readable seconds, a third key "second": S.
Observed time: {"hour": 9, "minute": 31}
